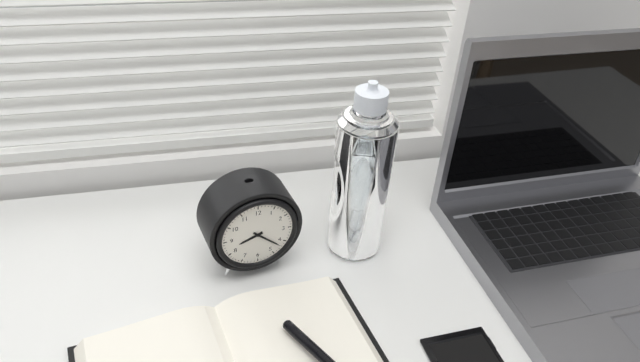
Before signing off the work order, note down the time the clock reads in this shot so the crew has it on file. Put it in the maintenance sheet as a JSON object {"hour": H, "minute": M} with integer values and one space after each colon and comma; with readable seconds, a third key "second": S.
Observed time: {"hour": 8, "minute": 22}
